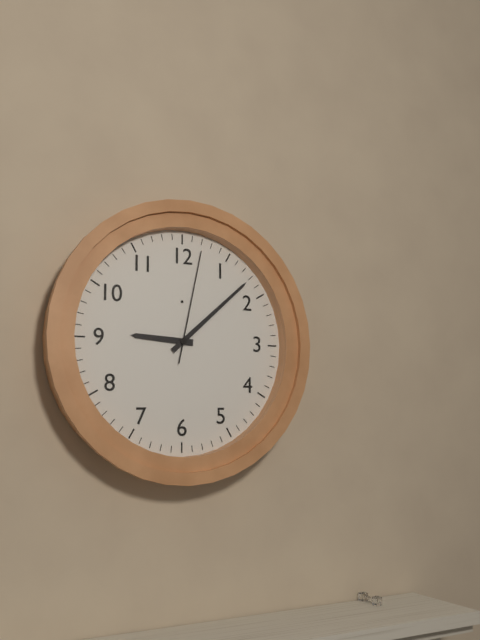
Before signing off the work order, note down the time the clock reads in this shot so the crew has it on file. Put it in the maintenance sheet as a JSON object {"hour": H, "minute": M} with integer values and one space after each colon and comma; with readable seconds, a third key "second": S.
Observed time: {"hour": 9, "minute": 8, "second": 2}
